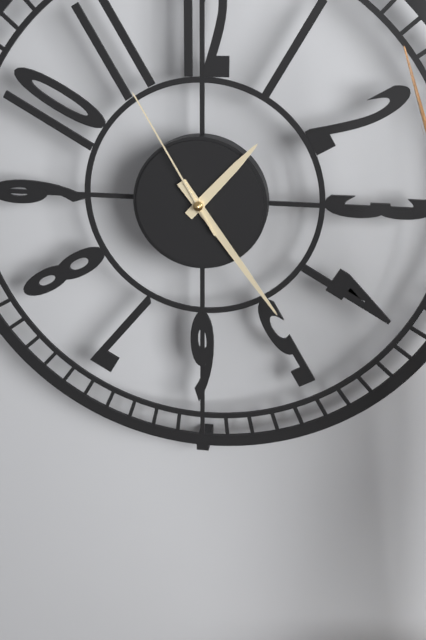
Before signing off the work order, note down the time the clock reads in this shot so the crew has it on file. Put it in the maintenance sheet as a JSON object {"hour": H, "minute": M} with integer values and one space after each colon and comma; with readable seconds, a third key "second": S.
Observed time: {"hour": 1, "minute": 24, "second": 55}
